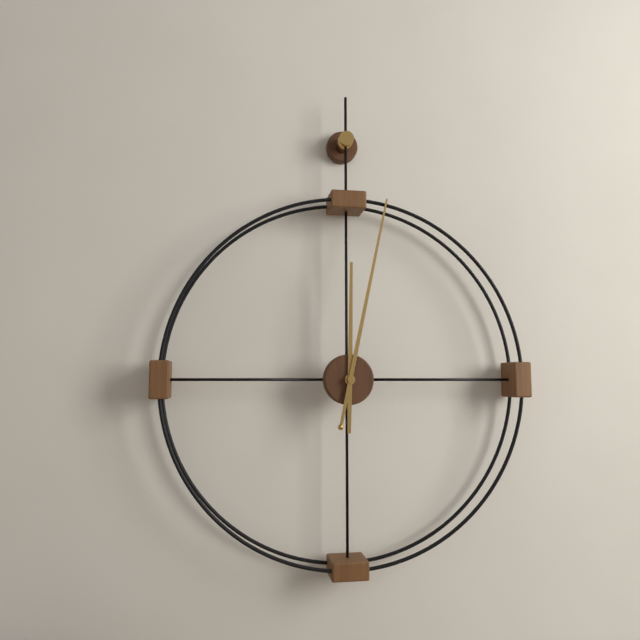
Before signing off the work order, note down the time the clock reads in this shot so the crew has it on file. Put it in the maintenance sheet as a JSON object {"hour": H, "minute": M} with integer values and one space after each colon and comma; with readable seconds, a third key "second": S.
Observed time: {"hour": 12, "minute": 2}
